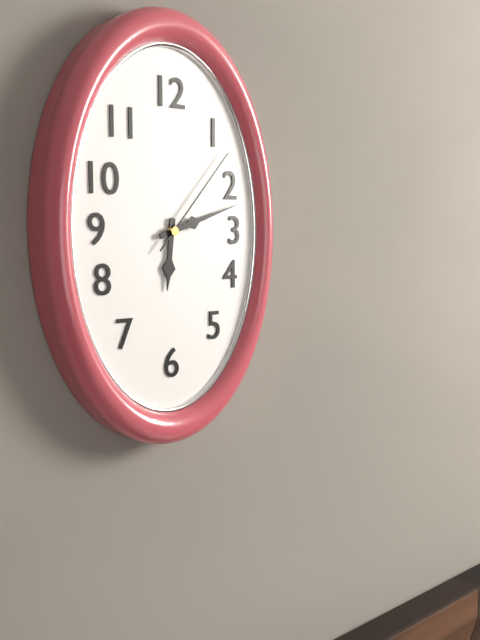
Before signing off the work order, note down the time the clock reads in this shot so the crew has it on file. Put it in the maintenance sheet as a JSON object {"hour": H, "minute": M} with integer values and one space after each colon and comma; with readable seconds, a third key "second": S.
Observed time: {"hour": 6, "minute": 12, "second": 7}
